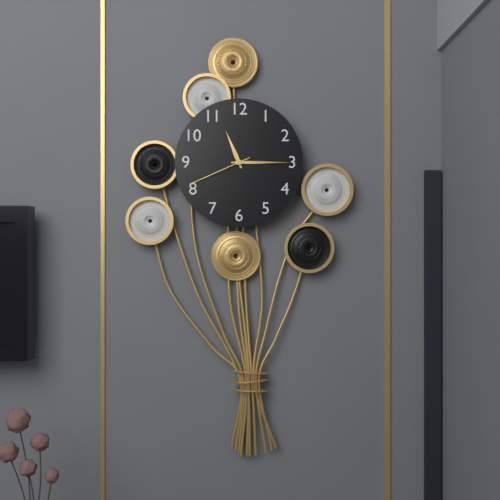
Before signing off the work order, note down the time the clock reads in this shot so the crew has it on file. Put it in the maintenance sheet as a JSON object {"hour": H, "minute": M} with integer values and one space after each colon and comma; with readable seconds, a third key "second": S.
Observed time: {"hour": 11, "minute": 15, "second": 41}
